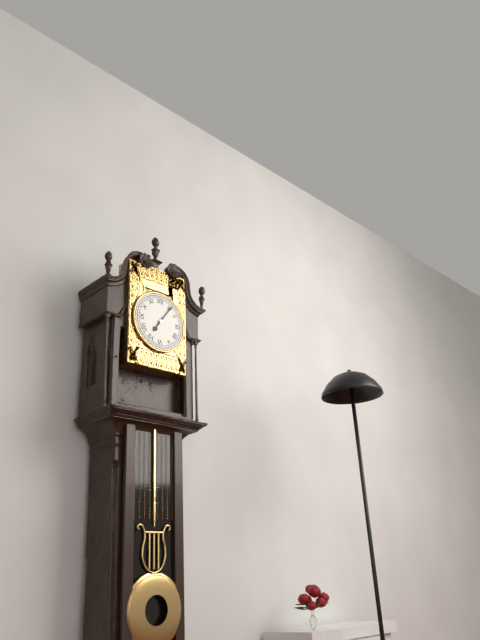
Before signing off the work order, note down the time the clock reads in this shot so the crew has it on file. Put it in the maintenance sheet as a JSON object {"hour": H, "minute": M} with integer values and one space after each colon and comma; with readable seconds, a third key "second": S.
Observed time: {"hour": 7, "minute": 6}
